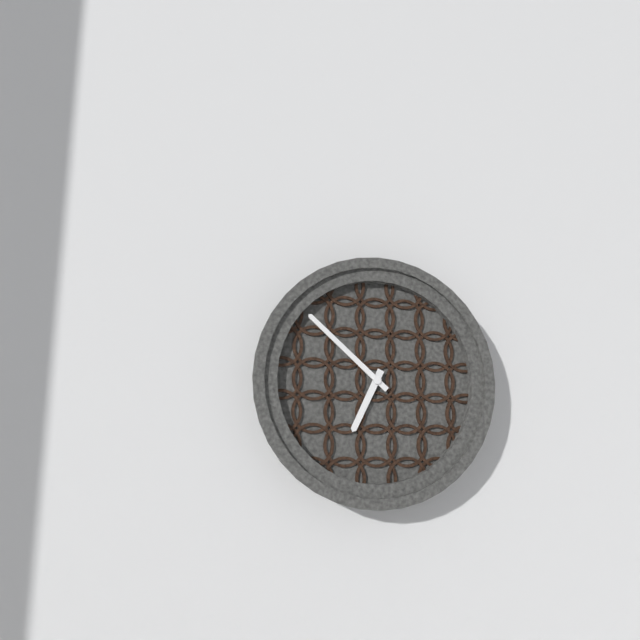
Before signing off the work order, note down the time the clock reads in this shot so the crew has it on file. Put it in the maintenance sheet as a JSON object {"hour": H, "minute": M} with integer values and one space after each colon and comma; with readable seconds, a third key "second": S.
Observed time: {"hour": 6, "minute": 52}
